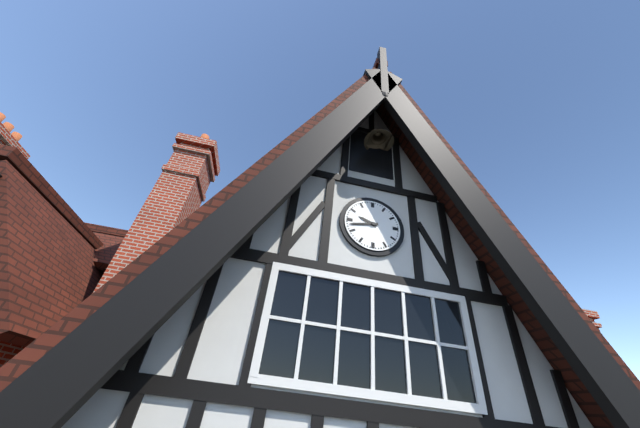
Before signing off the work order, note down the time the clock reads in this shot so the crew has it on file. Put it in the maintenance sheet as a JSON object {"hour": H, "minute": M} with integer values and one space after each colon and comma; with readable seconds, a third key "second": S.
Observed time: {"hour": 9, "minute": 43}
